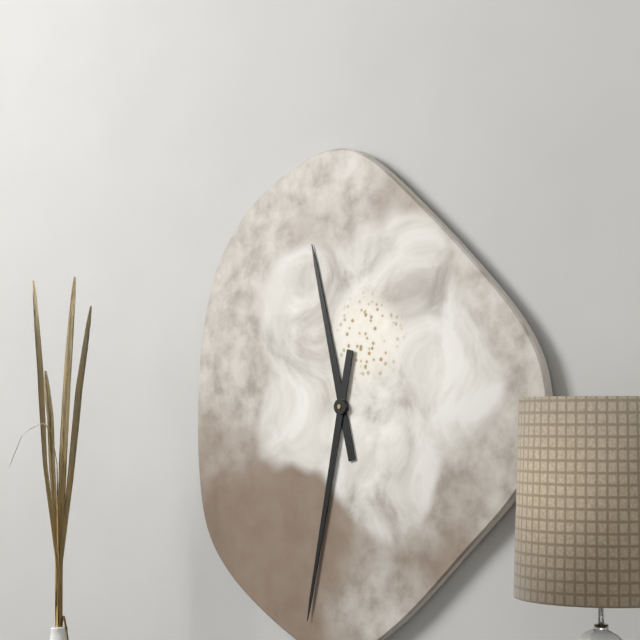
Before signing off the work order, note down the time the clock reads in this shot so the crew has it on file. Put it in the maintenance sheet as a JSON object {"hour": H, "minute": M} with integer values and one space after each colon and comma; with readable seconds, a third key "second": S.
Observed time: {"hour": 11, "minute": 32}
